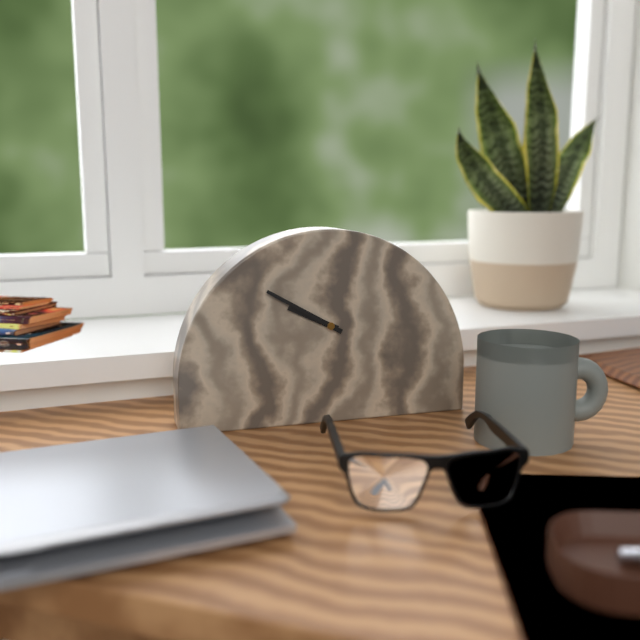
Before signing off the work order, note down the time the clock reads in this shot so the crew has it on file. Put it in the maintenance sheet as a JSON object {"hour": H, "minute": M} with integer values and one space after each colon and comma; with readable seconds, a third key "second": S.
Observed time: {"hour": 9, "minute": 50}
